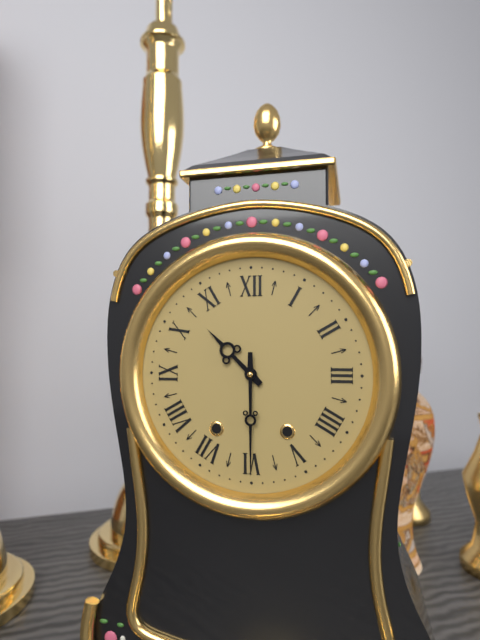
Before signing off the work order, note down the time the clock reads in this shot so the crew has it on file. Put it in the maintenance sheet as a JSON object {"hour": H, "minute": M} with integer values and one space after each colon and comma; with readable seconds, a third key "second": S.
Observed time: {"hour": 10, "minute": 30}
